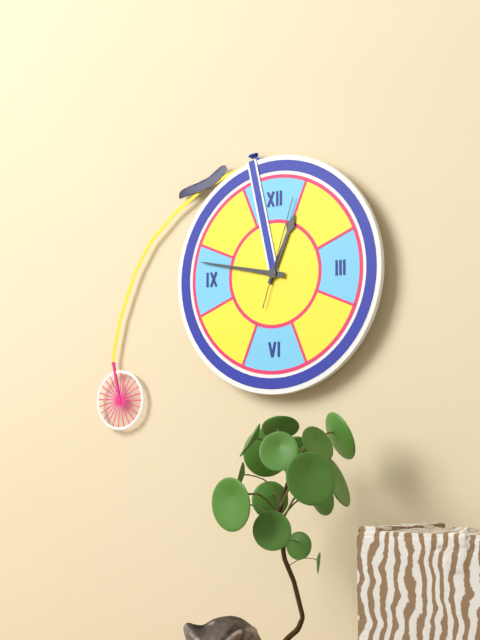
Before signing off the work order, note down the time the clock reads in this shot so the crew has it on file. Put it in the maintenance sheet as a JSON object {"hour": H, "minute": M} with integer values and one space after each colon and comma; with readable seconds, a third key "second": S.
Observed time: {"hour": 12, "minute": 47, "second": 3}
